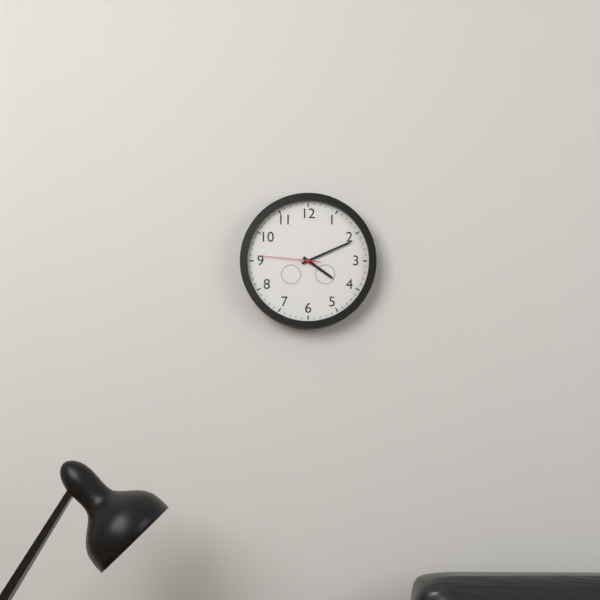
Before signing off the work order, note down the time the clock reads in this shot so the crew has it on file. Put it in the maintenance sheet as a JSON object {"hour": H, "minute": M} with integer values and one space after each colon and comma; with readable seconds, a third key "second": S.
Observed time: {"hour": 4, "minute": 11, "second": 46}
